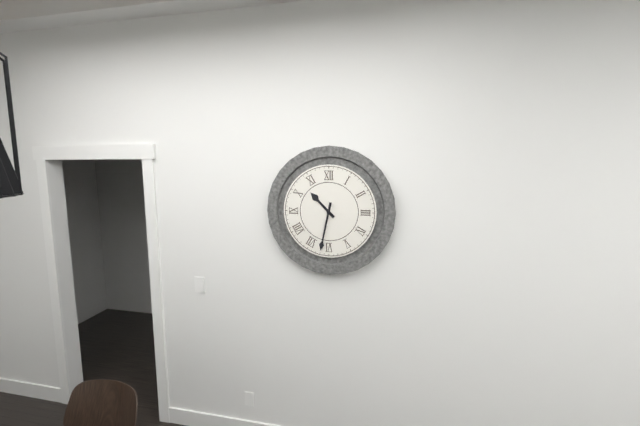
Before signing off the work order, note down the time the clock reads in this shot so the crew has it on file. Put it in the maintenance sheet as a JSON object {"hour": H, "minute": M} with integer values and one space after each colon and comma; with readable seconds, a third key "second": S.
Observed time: {"hour": 10, "minute": 32}
